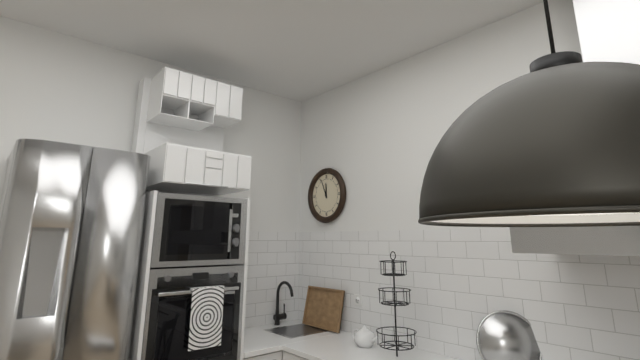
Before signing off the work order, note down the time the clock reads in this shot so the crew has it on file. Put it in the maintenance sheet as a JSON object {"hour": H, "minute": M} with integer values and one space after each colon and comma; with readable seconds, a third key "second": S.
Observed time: {"hour": 11, "minute": 56}
